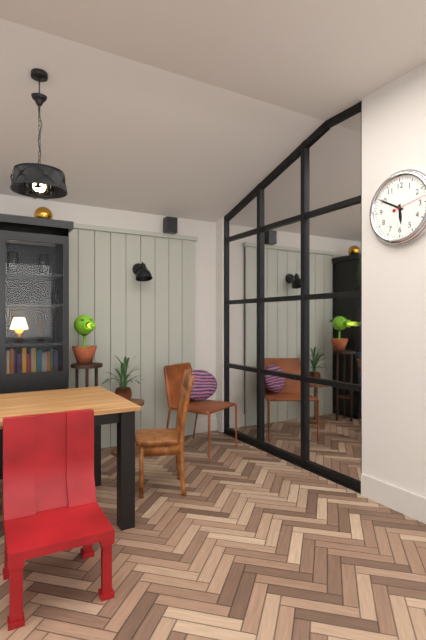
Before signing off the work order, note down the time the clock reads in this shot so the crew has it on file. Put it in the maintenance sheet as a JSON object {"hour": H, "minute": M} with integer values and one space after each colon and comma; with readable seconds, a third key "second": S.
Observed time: {"hour": 5, "minute": 50}
